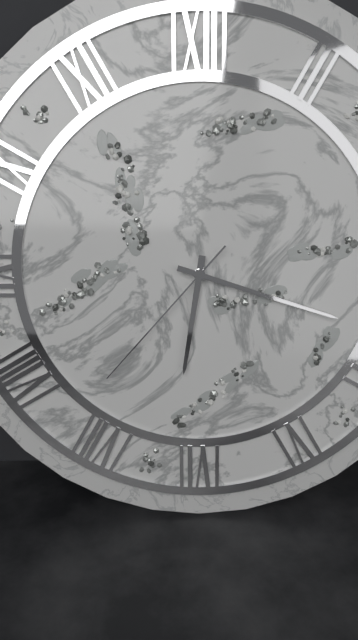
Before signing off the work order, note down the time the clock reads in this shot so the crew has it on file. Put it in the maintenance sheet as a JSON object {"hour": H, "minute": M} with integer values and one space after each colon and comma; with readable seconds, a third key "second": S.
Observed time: {"hour": 6, "minute": 18, "second": 37}
